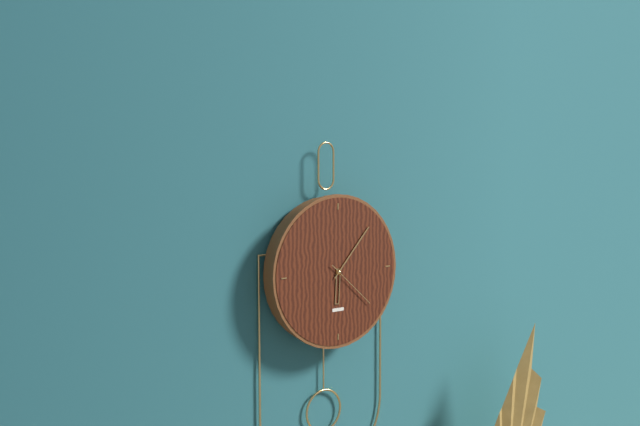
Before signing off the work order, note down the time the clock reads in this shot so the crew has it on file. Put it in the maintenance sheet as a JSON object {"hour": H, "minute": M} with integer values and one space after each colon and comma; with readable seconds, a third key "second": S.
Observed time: {"hour": 6, "minute": 7, "second": 22}
